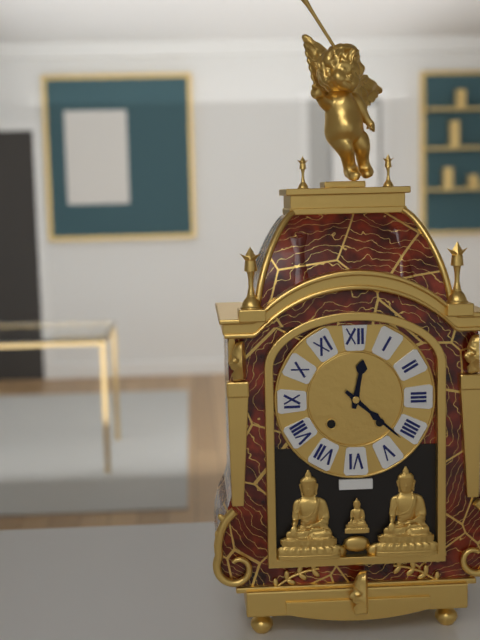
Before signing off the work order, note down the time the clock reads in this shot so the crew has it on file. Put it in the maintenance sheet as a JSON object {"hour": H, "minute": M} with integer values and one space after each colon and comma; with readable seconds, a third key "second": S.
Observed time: {"hour": 12, "minute": 22}
